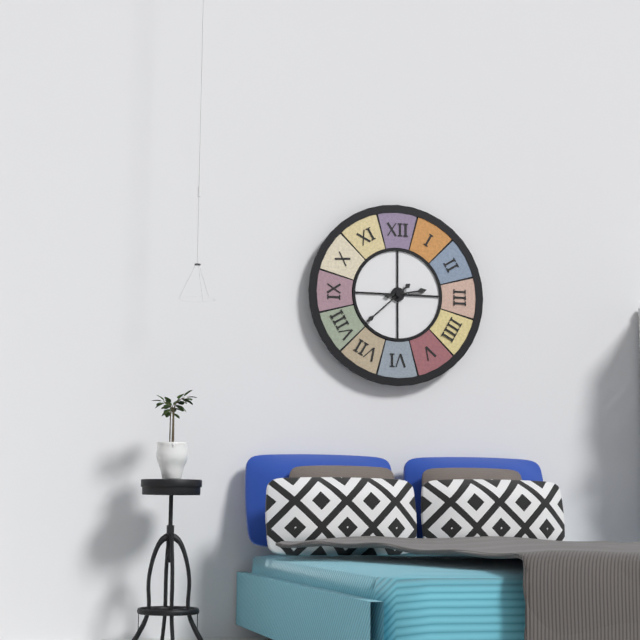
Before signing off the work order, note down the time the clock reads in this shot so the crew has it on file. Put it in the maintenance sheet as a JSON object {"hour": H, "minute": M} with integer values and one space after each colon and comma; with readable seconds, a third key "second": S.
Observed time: {"hour": 2, "minute": 38}
